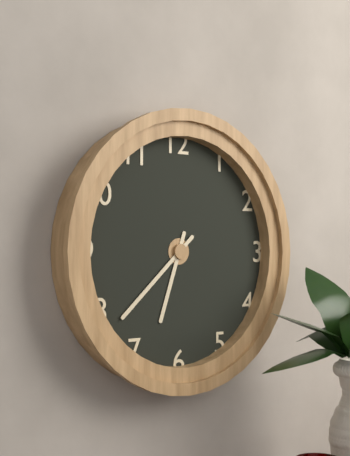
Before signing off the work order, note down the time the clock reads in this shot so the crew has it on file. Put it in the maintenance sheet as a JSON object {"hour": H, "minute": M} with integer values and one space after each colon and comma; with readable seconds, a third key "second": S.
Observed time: {"hour": 6, "minute": 38}
